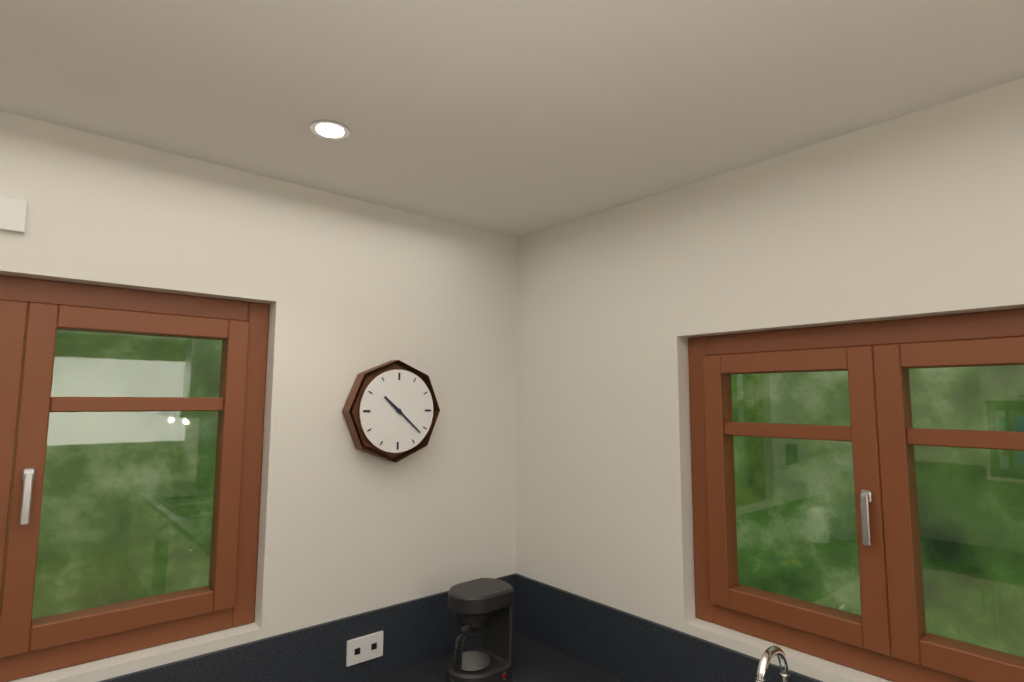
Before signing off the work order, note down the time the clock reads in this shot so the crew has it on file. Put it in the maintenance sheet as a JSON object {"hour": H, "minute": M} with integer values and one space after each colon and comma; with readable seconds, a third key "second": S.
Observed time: {"hour": 10, "minute": 22}
